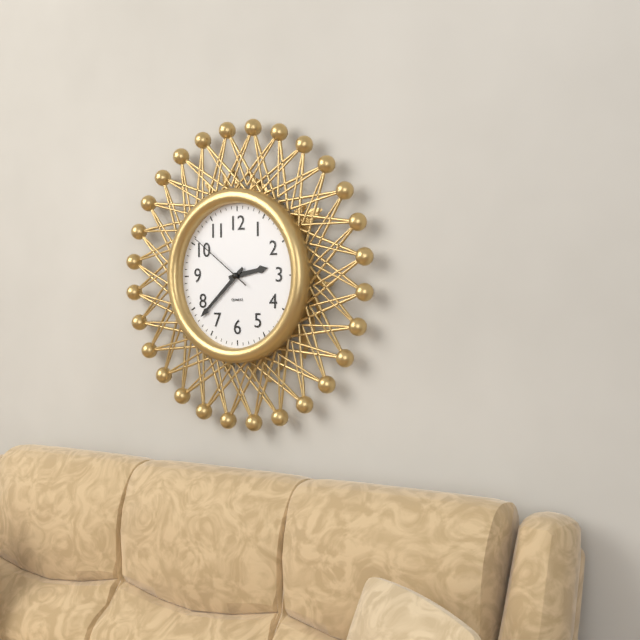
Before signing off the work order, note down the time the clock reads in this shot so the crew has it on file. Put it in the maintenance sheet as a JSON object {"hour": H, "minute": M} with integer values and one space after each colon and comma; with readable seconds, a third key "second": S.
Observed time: {"hour": 2, "minute": 38, "second": 51}
